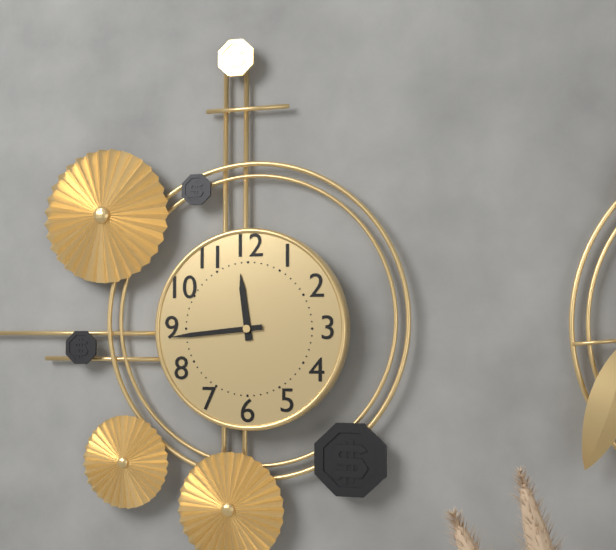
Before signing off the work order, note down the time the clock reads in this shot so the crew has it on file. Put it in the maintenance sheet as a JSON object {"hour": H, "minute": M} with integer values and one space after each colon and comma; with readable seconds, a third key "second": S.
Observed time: {"hour": 11, "minute": 44}
